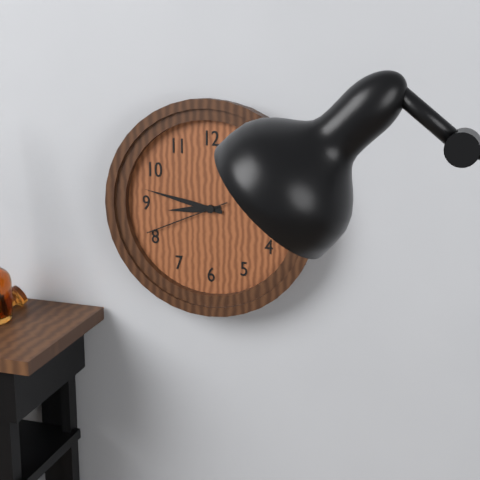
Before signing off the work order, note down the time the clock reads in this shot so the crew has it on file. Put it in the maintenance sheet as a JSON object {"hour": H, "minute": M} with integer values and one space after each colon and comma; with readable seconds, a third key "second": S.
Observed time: {"hour": 8, "minute": 47, "second": 41}
